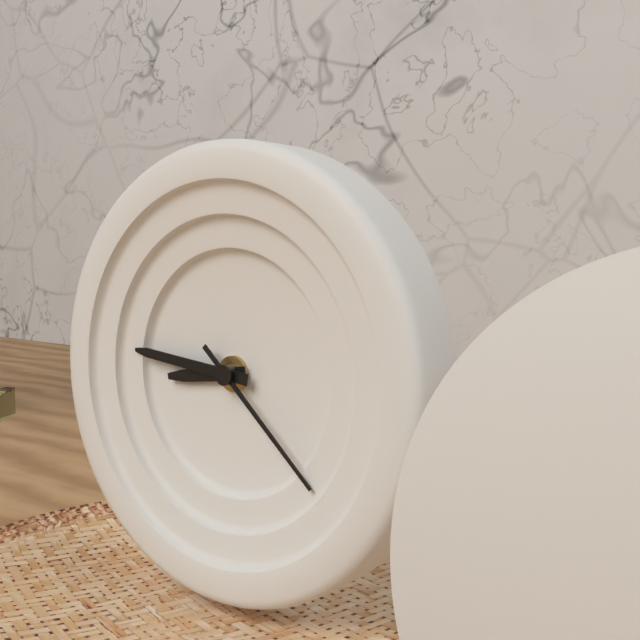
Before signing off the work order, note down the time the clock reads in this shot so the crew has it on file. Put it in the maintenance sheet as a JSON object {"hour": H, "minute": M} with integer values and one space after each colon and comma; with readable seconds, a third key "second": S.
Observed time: {"hour": 8, "minute": 46, "second": 22}
